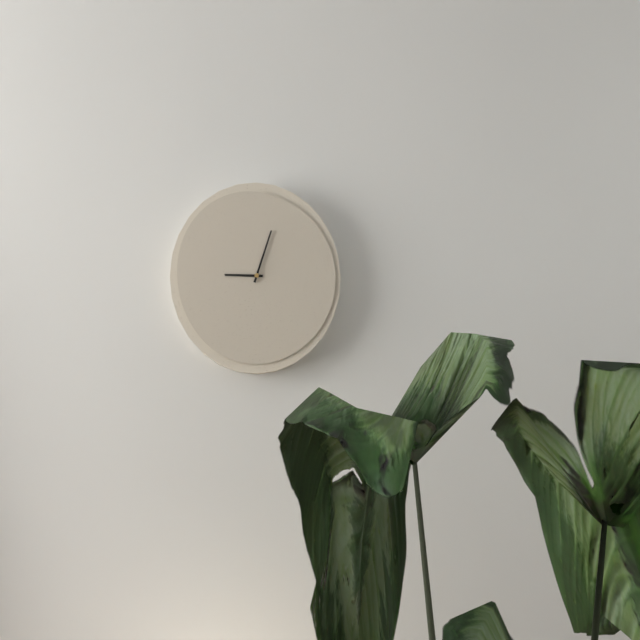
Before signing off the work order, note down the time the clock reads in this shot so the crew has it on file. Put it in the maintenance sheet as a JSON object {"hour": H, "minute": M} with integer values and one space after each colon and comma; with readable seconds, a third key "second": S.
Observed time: {"hour": 9, "minute": 3}
